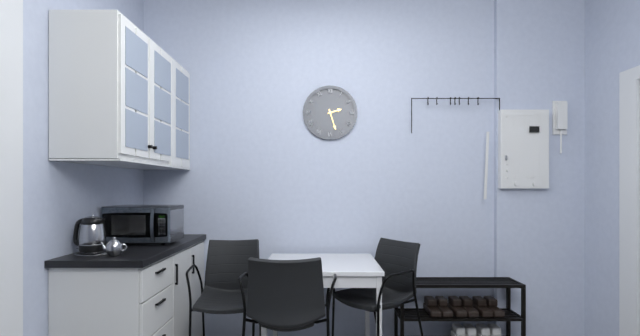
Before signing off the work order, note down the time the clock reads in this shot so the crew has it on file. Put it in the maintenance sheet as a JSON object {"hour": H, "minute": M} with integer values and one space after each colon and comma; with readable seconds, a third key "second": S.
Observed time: {"hour": 2, "minute": 27}
